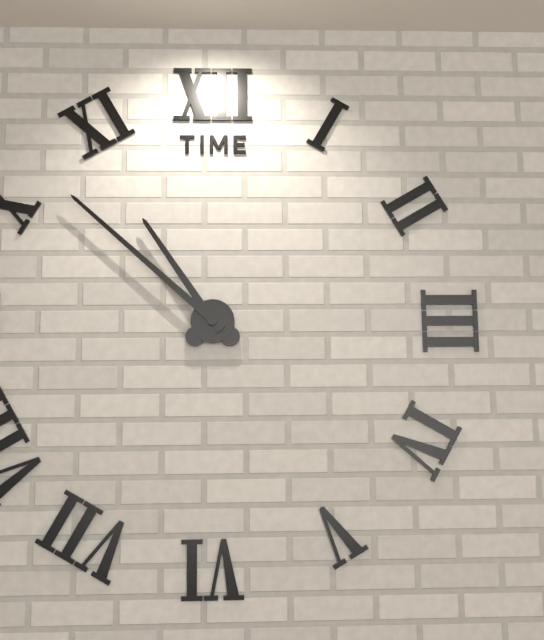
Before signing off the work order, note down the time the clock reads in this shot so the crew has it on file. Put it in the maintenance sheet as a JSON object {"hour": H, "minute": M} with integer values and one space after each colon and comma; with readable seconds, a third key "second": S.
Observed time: {"hour": 10, "minute": 52}
